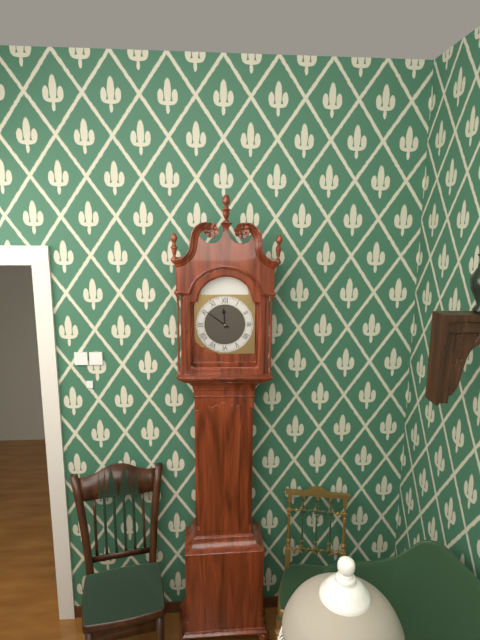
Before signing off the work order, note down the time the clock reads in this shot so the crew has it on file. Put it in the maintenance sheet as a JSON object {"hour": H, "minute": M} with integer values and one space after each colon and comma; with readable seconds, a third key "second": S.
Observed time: {"hour": 11, "minute": 51}
